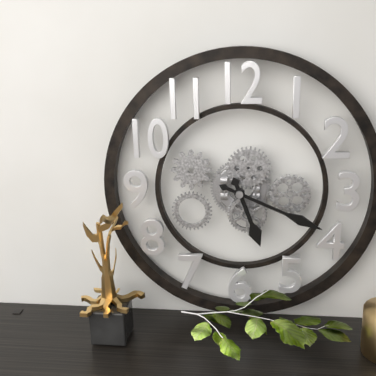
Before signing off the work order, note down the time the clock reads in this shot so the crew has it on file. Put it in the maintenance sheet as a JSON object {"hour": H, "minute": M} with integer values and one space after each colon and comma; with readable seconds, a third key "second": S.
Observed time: {"hour": 5, "minute": 19}
